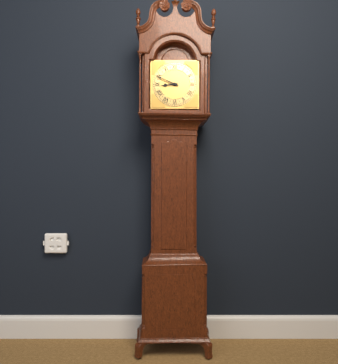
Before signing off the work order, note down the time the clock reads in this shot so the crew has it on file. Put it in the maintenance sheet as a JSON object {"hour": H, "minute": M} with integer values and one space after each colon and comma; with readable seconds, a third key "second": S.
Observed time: {"hour": 8, "minute": 49}
